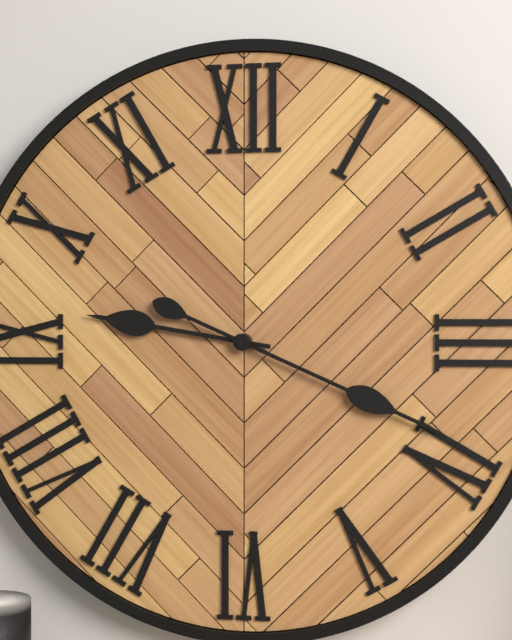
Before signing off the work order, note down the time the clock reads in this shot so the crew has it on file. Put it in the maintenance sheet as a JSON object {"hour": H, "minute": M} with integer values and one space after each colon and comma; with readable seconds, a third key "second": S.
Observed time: {"hour": 9, "minute": 19}
